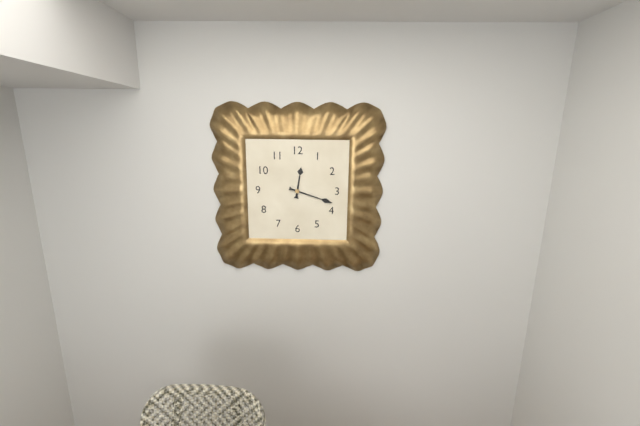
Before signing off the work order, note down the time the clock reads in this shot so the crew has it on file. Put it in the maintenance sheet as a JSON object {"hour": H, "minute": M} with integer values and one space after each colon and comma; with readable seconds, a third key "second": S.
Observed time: {"hour": 12, "minute": 18}
